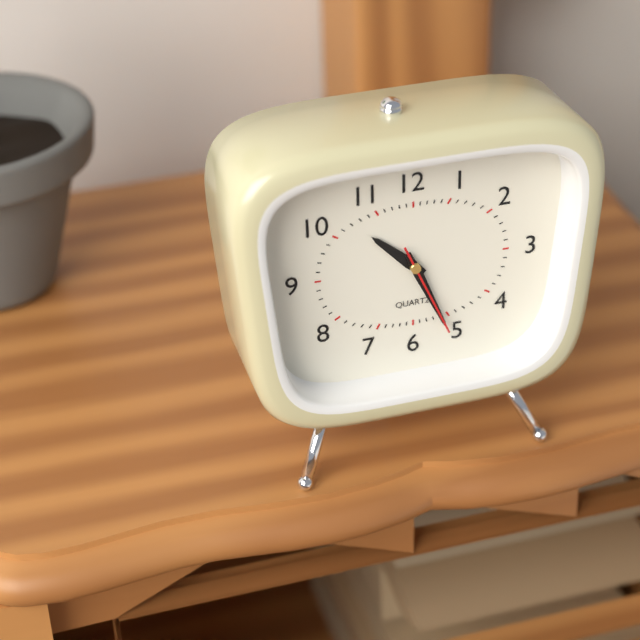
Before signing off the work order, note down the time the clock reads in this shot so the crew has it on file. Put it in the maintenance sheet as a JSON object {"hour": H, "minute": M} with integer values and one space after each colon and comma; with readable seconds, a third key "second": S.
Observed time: {"hour": 10, "minute": 26, "second": 26}
